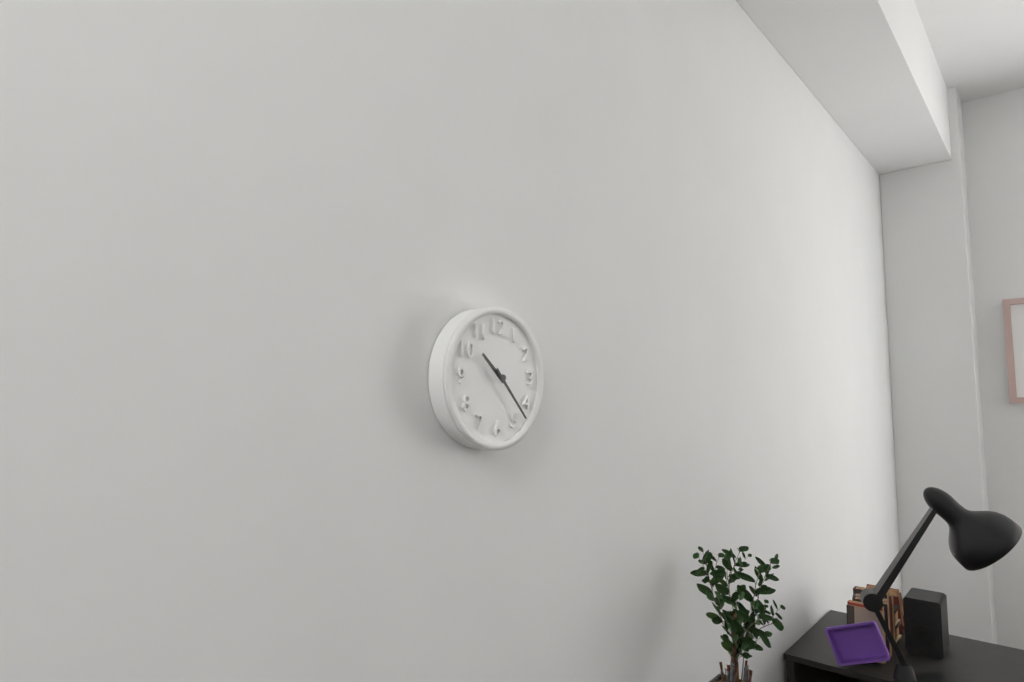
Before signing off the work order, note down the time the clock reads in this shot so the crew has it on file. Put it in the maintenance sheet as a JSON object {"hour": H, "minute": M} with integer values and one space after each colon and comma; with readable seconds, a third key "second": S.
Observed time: {"hour": 10, "minute": 23}
